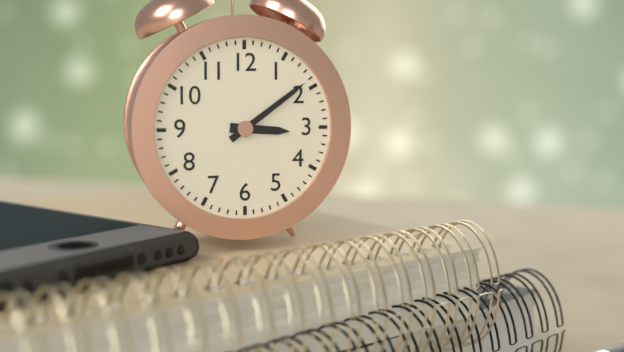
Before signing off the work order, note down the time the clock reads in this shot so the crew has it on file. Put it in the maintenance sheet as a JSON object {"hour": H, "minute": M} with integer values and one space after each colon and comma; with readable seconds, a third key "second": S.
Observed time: {"hour": 3, "minute": 9}
